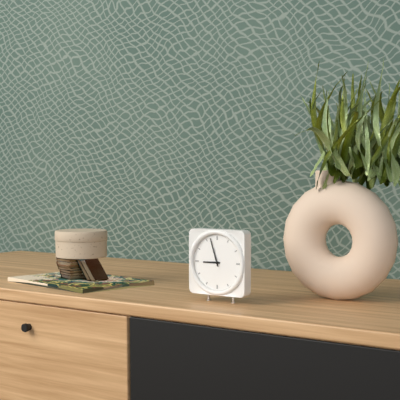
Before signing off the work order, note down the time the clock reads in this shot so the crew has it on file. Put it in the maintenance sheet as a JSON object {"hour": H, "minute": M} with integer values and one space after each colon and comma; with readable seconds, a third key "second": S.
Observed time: {"hour": 8, "minute": 57}
